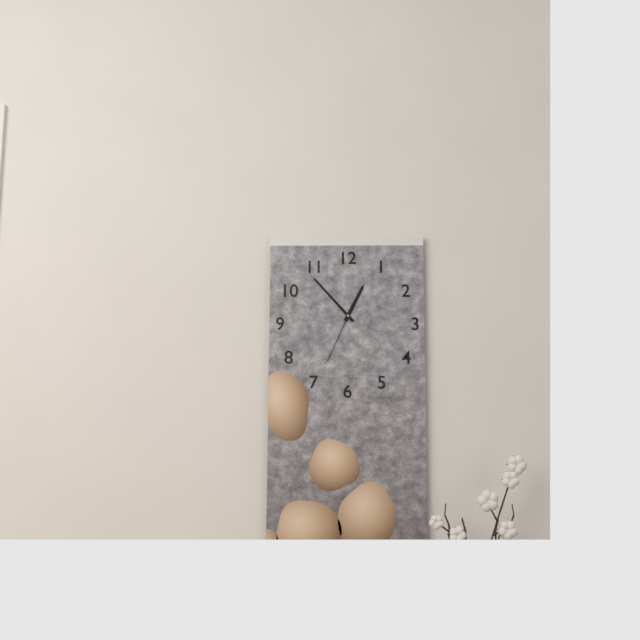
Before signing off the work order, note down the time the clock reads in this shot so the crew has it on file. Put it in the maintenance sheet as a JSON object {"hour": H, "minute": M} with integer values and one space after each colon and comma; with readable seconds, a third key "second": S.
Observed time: {"hour": 12, "minute": 53, "second": 34}
